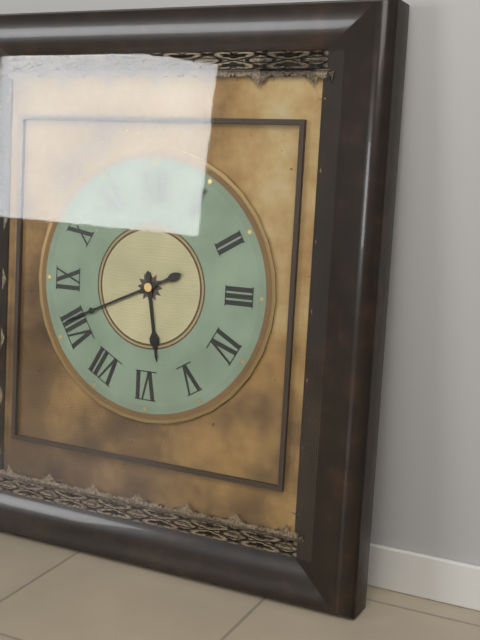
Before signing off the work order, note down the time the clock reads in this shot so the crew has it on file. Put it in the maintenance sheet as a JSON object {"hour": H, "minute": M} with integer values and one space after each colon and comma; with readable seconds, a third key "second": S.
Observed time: {"hour": 5, "minute": 41}
